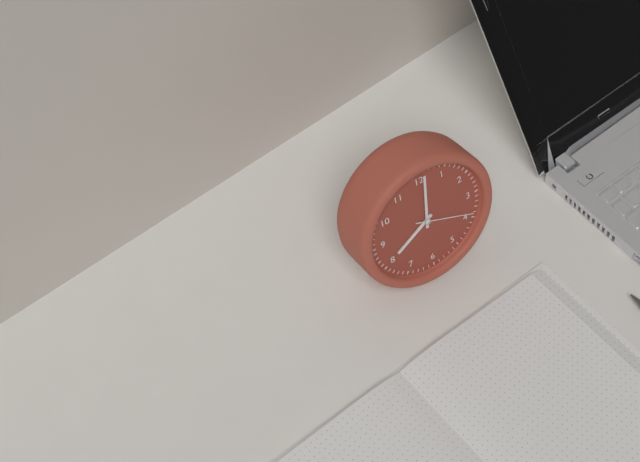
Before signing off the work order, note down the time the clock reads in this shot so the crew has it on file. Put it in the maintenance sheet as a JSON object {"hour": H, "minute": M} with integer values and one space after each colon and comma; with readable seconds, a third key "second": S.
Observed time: {"hour": 8, "minute": 1, "second": 19}
